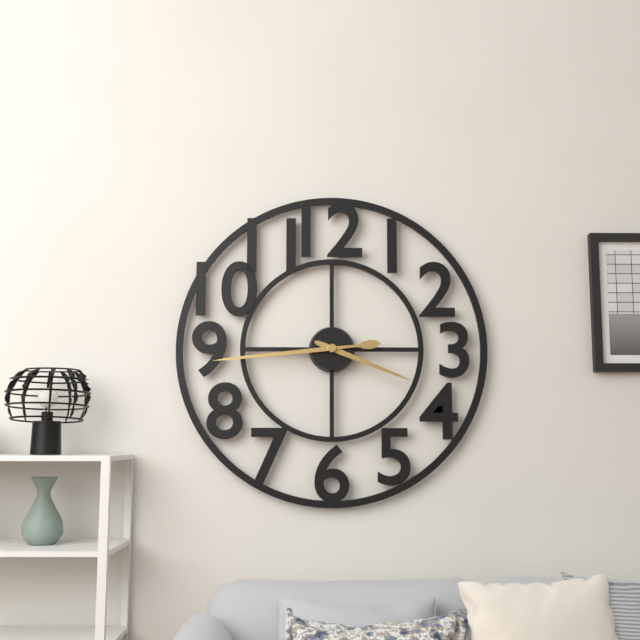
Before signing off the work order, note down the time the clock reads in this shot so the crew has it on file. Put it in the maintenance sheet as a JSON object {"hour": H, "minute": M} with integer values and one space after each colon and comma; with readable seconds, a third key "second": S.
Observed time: {"hour": 3, "minute": 44}
